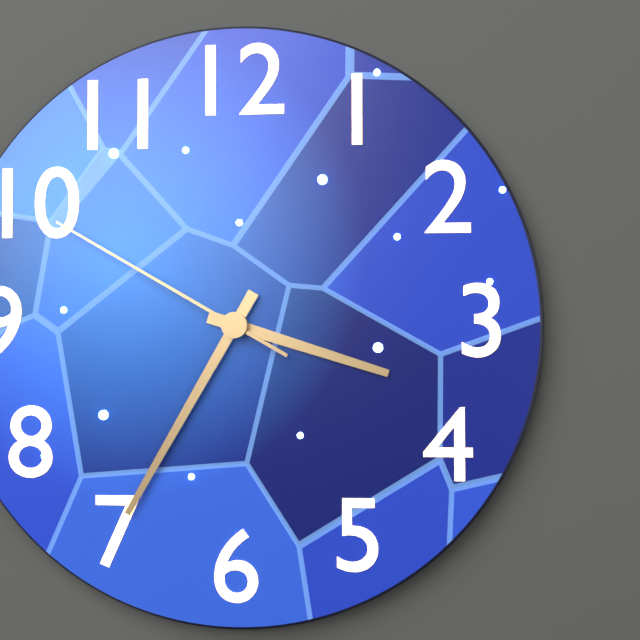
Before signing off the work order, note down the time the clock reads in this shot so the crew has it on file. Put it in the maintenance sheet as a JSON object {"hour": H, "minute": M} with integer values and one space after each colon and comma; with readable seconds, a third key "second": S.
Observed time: {"hour": 3, "minute": 35, "second": 50}
